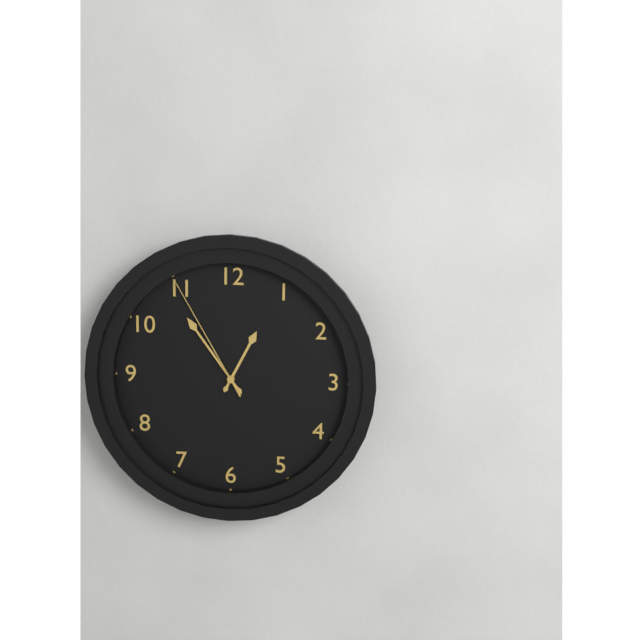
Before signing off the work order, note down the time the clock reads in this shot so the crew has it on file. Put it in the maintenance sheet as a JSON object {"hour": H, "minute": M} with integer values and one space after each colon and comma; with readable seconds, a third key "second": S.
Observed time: {"hour": 12, "minute": 54, "second": 55}
